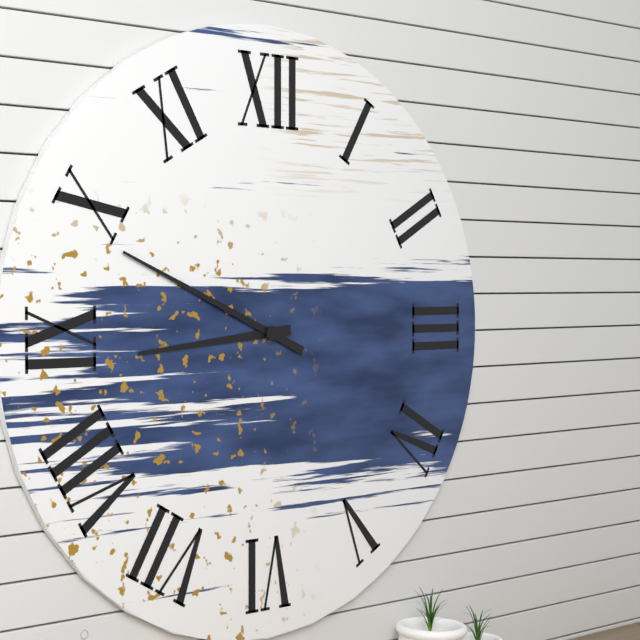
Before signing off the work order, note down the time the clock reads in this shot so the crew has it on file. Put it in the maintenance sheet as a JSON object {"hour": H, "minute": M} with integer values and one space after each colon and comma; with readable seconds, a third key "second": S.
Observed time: {"hour": 8, "minute": 49}
